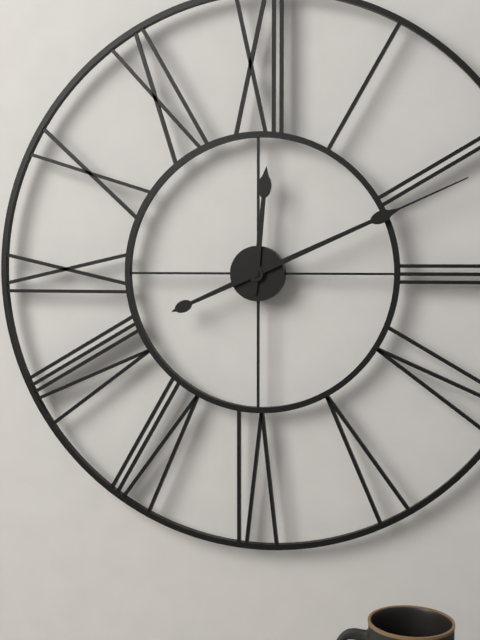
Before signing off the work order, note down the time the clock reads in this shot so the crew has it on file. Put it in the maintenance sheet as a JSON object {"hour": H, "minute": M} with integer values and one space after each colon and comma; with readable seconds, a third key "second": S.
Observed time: {"hour": 12, "minute": 11}
